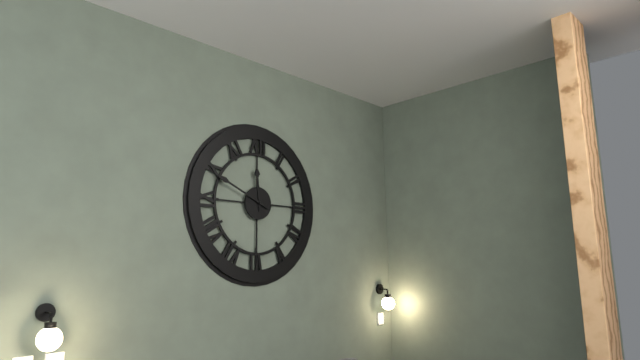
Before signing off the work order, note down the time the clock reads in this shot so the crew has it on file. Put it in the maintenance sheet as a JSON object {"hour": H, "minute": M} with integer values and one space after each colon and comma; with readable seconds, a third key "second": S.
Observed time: {"hour": 11, "minute": 49}
